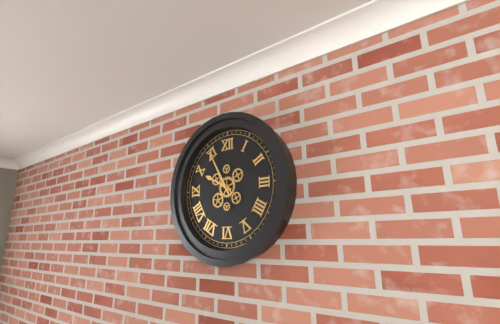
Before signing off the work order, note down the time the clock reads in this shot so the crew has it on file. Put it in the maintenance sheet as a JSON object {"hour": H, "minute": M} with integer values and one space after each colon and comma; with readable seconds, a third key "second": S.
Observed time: {"hour": 9, "minute": 55}
